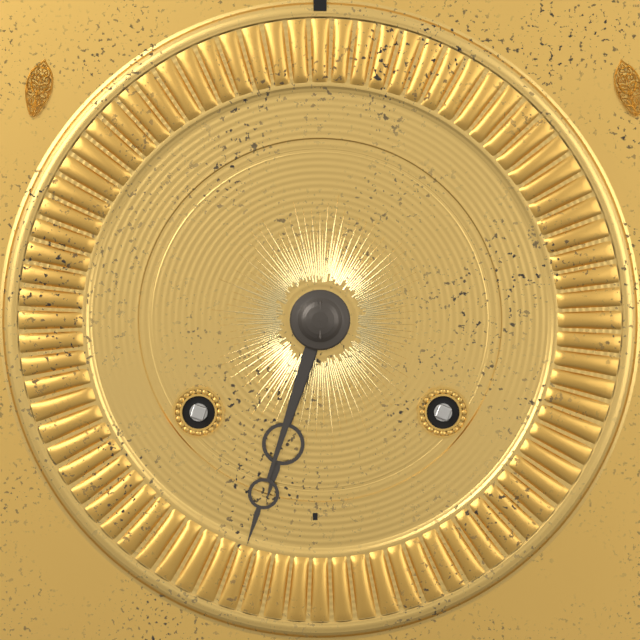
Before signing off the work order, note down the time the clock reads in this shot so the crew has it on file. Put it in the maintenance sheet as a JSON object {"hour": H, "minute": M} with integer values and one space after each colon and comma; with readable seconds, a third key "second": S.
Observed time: {"hour": 6, "minute": 33}
